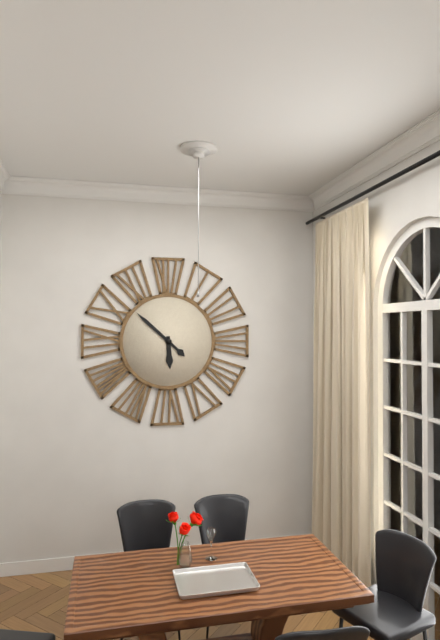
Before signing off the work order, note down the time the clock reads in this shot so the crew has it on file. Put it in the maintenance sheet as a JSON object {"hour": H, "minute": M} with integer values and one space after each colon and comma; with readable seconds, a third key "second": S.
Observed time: {"hour": 5, "minute": 52}
